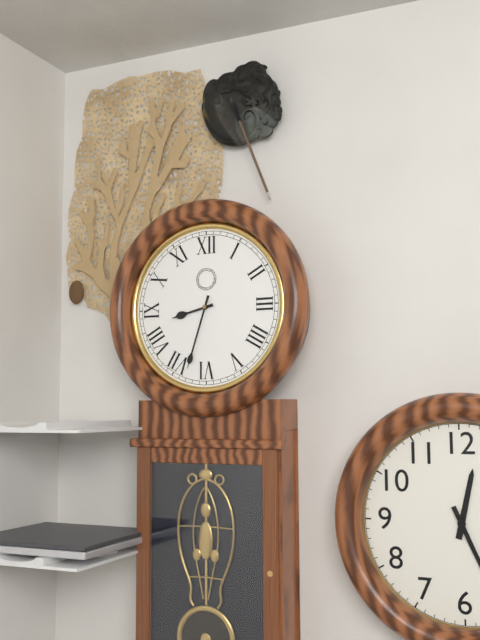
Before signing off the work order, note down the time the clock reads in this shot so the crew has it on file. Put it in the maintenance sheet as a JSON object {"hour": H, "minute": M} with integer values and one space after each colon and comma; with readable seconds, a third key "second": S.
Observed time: {"hour": 8, "minute": 33}
